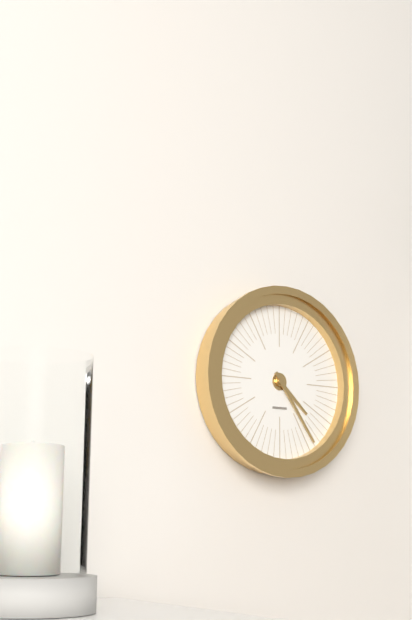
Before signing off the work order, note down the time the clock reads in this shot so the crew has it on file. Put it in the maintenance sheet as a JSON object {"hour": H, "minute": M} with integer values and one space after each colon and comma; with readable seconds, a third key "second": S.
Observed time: {"hour": 4, "minute": 24}
